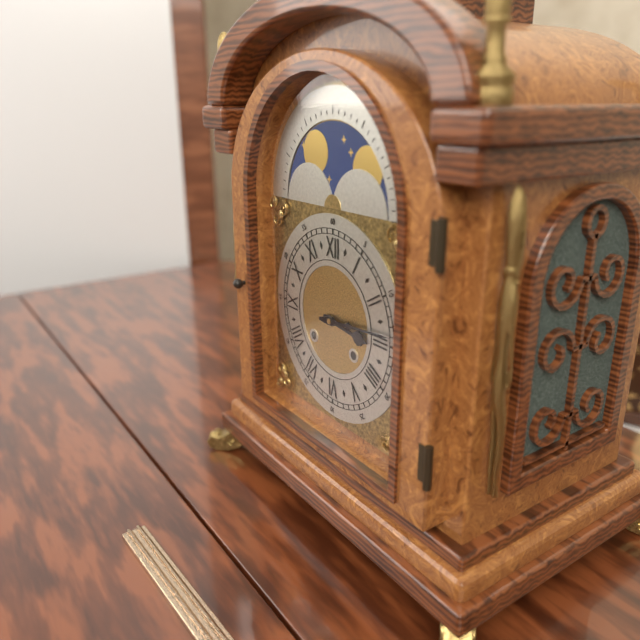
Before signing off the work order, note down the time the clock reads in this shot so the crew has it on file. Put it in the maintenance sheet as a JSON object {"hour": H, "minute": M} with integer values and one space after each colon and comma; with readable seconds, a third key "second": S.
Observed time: {"hour": 3, "minute": 14}
